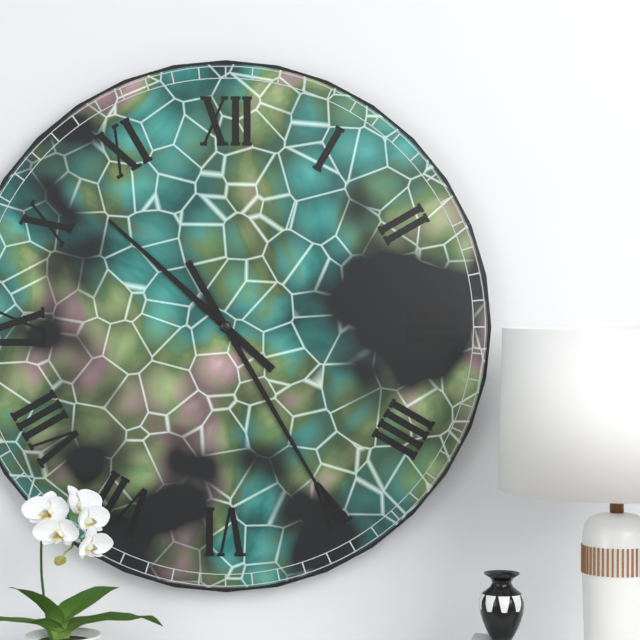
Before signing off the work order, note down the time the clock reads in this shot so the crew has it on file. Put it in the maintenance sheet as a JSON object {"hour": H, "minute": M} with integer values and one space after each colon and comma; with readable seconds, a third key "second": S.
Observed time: {"hour": 10, "minute": 25}
